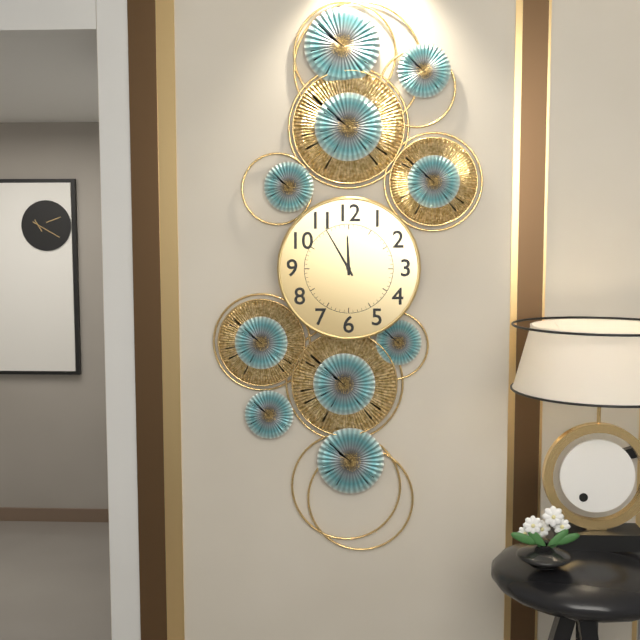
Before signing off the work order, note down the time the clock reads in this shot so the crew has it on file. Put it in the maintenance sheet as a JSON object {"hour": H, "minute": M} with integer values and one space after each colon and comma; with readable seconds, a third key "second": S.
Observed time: {"hour": 11, "minute": 55}
